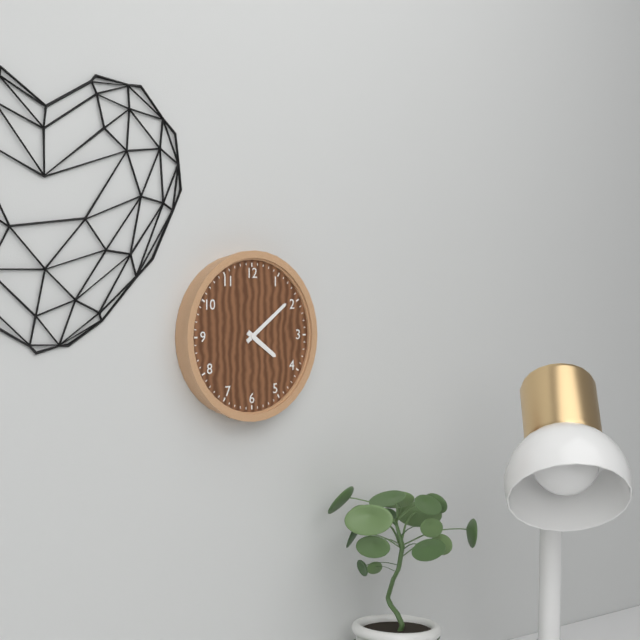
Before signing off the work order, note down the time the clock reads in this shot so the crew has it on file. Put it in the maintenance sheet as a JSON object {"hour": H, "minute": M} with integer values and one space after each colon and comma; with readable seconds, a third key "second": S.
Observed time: {"hour": 4, "minute": 9}
